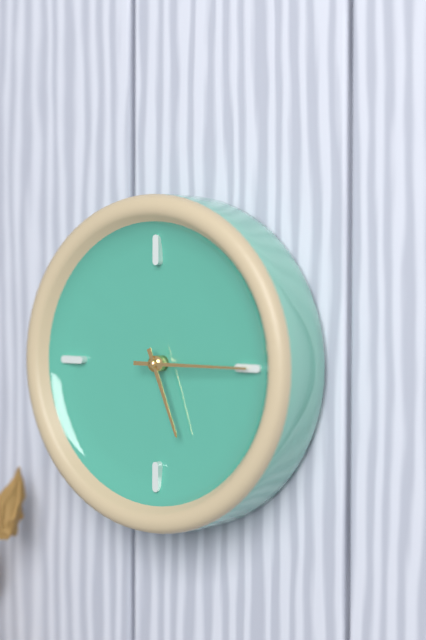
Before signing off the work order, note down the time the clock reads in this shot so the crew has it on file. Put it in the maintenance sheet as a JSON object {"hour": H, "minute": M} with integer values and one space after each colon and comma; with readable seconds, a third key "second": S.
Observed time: {"hour": 5, "minute": 15}
